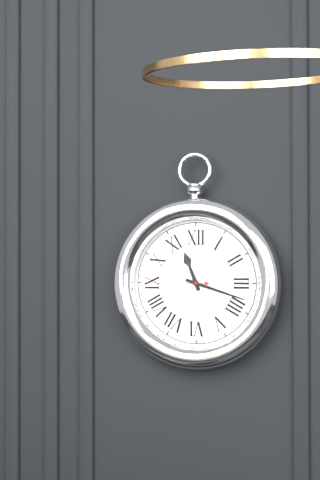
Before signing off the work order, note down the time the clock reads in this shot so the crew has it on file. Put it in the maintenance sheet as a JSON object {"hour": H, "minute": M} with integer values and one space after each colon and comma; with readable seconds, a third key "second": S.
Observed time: {"hour": 11, "minute": 18, "second": 45}
